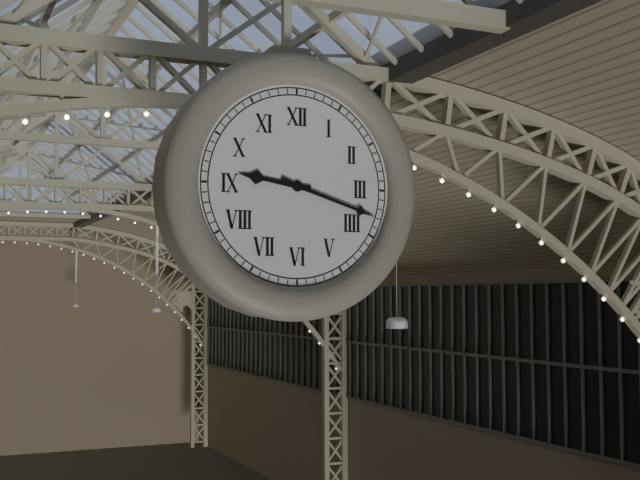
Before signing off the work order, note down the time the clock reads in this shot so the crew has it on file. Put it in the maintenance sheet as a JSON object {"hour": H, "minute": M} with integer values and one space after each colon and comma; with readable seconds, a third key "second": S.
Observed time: {"hour": 9, "minute": 18}
